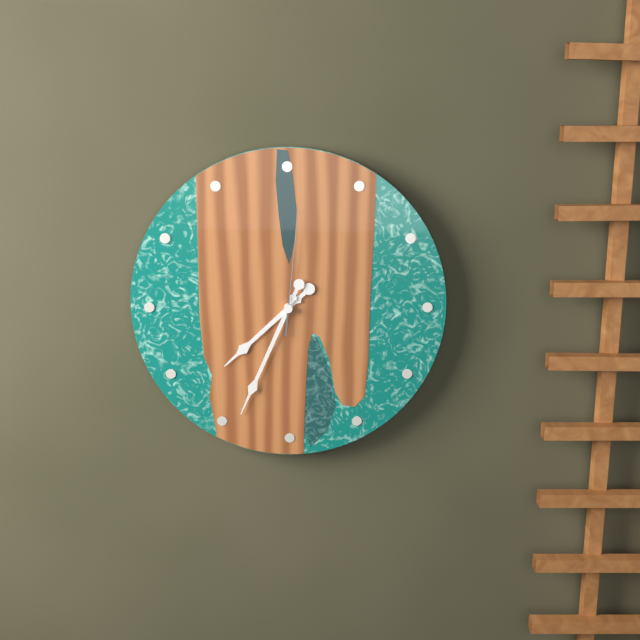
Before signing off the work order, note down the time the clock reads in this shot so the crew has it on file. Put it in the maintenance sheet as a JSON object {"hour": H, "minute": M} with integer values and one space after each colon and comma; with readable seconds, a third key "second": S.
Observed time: {"hour": 7, "minute": 34, "second": 1}
